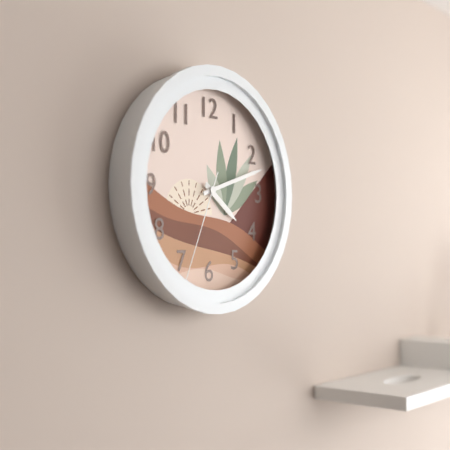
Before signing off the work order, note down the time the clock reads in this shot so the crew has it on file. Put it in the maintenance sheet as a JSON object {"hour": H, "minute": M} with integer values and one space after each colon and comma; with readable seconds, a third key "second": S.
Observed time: {"hour": 4, "minute": 12, "second": 34}
